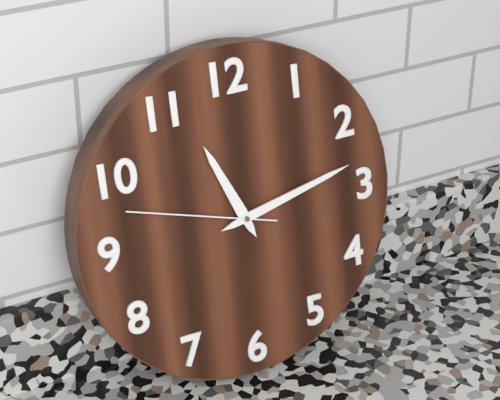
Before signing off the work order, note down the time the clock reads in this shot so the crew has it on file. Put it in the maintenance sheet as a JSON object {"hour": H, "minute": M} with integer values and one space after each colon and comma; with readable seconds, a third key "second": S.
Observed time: {"hour": 11, "minute": 13, "second": 48}
